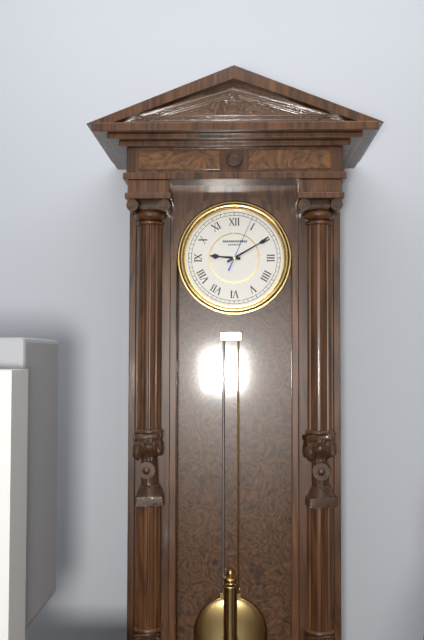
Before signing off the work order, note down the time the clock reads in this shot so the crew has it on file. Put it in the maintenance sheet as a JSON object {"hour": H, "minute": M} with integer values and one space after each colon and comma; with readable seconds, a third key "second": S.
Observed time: {"hour": 9, "minute": 10, "second": 4}
